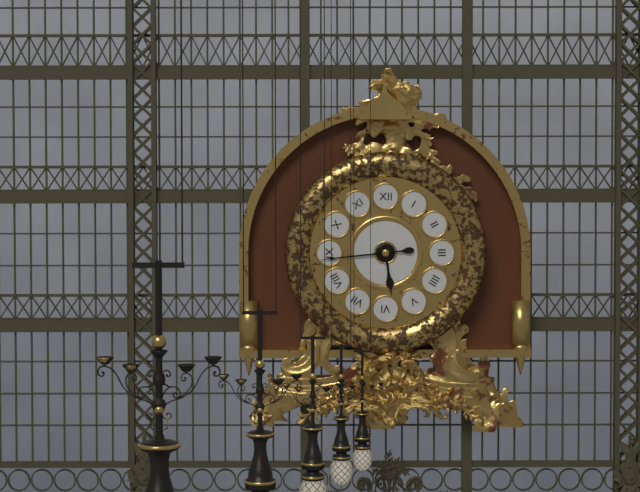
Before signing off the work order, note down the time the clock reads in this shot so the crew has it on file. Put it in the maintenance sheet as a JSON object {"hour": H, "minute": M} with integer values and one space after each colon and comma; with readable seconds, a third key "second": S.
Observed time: {"hour": 5, "minute": 44}
